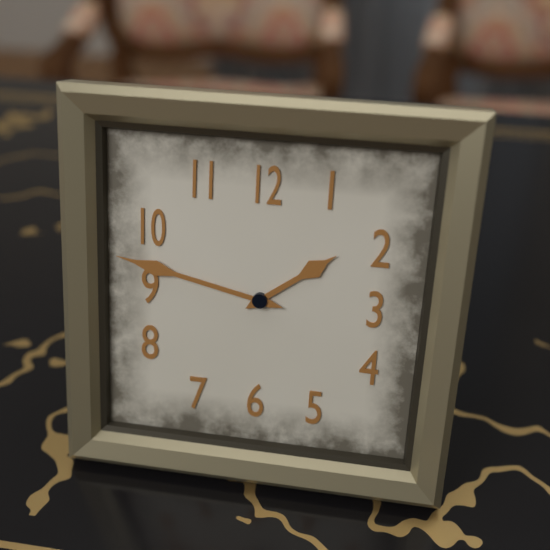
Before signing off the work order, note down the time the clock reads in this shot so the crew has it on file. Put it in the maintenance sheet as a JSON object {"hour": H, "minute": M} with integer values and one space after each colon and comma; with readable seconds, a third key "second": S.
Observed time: {"hour": 1, "minute": 47}
